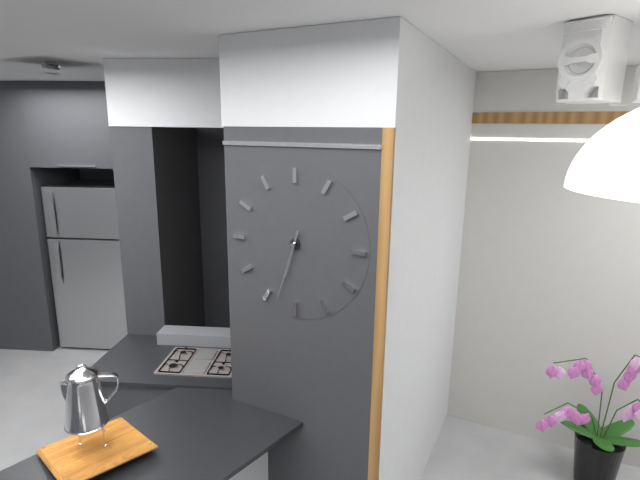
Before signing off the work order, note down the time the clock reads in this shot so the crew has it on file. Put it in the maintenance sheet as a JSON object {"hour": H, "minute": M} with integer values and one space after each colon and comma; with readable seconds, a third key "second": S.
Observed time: {"hour": 6, "minute": 33}
